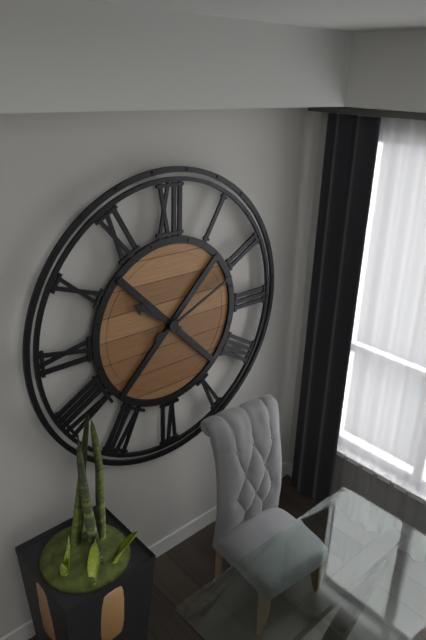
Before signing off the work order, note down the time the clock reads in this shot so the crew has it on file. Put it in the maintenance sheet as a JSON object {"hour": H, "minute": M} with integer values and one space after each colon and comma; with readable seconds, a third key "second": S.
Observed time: {"hour": 10, "minute": 11}
